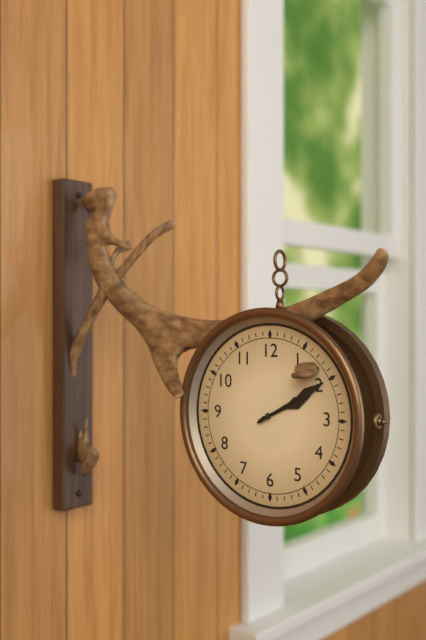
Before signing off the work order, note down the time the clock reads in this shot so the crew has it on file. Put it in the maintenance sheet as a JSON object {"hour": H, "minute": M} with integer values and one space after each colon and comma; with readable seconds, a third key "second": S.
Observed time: {"hour": 2, "minute": 10}
